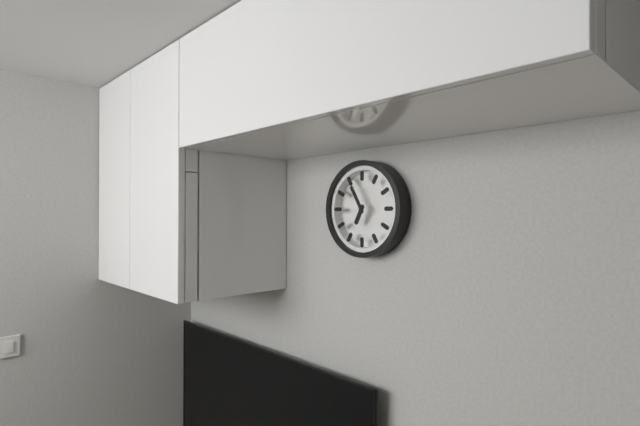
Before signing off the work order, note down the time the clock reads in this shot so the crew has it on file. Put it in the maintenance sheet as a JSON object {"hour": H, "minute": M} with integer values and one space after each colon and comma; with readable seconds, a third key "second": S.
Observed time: {"hour": 6, "minute": 55}
